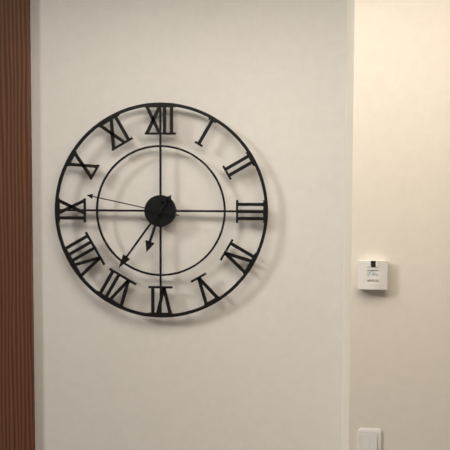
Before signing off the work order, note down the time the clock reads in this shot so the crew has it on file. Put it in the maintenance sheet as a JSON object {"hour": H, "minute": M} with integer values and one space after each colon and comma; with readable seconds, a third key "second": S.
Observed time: {"hour": 6, "minute": 36, "second": 47}
